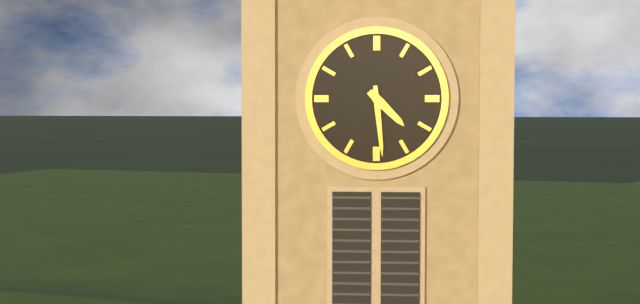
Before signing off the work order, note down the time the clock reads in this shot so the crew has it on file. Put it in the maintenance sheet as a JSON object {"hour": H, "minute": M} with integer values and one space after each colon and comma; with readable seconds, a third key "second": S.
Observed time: {"hour": 4, "minute": 29}
